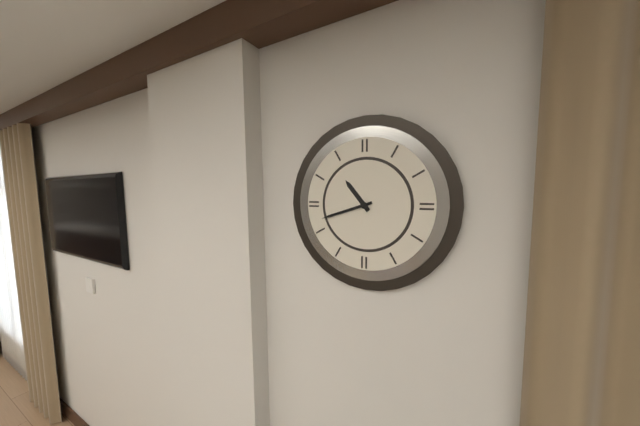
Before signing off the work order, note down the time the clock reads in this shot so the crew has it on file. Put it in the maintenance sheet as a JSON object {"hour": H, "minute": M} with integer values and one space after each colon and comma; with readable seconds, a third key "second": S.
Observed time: {"hour": 10, "minute": 42}
